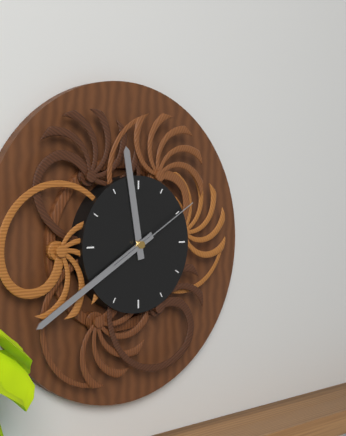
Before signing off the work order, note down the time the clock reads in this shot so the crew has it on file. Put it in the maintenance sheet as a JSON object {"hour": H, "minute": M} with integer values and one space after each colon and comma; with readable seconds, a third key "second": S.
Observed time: {"hour": 11, "minute": 40, "second": 10}
